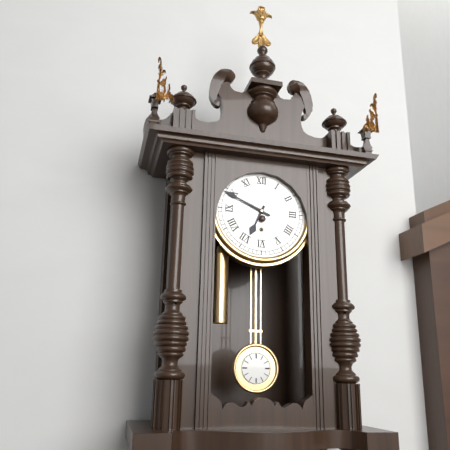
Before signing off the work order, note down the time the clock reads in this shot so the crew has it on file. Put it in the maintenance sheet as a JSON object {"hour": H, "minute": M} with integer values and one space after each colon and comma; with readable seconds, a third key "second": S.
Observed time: {"hour": 6, "minute": 49}
